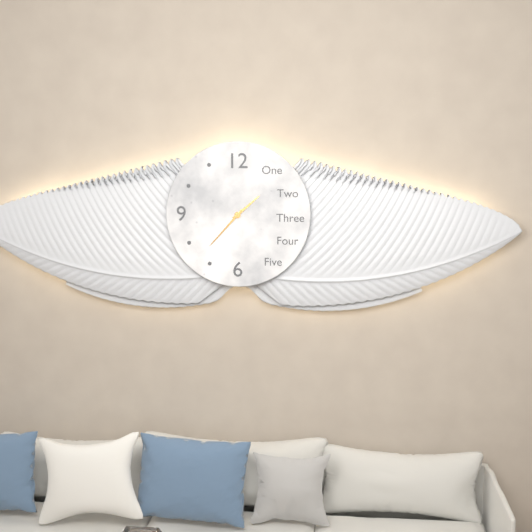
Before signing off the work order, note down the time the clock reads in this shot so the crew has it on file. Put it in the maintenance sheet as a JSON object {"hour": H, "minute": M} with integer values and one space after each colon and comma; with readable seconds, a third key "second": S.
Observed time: {"hour": 1, "minute": 37}
